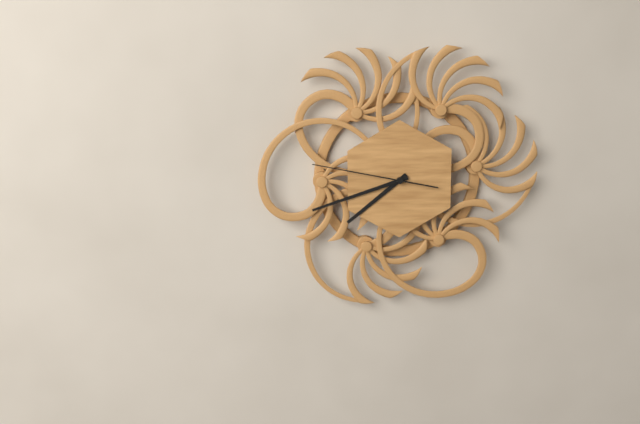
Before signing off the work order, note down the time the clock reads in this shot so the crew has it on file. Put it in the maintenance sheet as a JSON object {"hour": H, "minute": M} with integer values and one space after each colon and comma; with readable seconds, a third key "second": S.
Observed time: {"hour": 7, "minute": 42, "second": 47}
